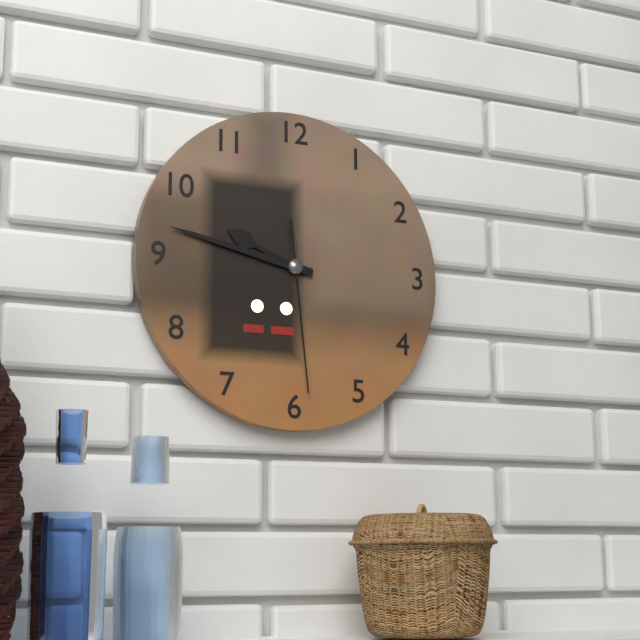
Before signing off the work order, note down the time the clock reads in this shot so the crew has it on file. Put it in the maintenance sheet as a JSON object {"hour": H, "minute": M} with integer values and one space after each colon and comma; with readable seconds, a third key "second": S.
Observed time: {"hour": 9, "minute": 47, "second": 29}
